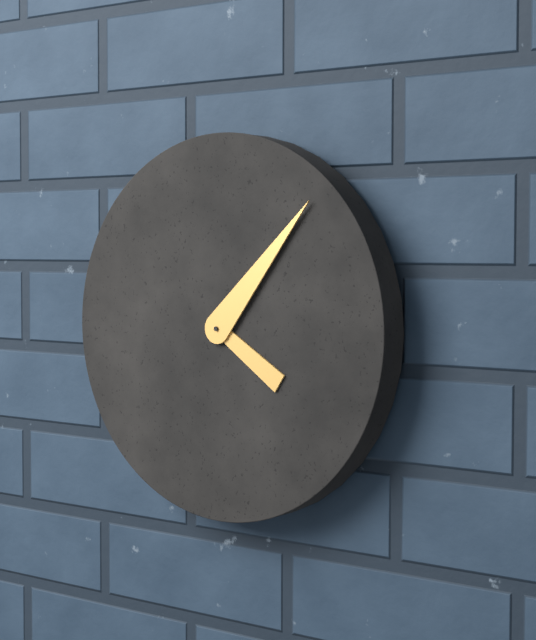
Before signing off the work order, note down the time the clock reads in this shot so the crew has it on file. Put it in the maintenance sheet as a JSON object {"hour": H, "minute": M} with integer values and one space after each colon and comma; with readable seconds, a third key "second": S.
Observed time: {"hour": 4, "minute": 7}
